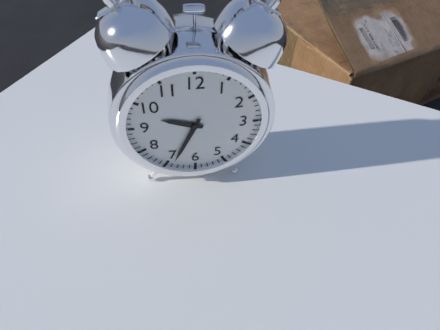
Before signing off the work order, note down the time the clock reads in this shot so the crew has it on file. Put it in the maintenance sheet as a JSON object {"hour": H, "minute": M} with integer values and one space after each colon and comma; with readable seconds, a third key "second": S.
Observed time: {"hour": 9, "minute": 34}
